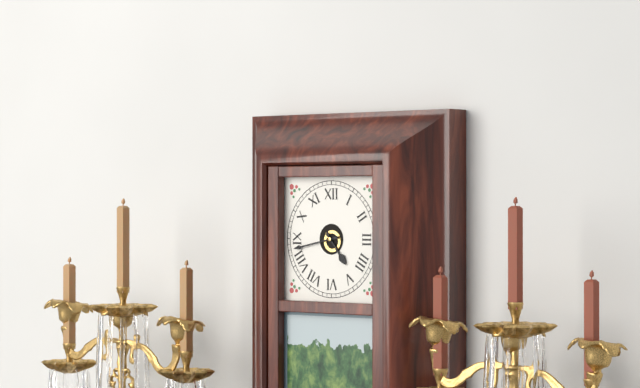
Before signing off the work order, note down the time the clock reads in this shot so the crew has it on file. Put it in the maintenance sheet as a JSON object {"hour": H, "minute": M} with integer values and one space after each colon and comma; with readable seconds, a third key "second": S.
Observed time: {"hour": 4, "minute": 43}
